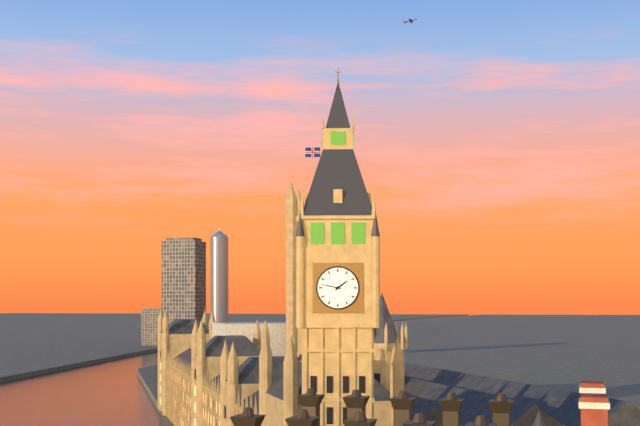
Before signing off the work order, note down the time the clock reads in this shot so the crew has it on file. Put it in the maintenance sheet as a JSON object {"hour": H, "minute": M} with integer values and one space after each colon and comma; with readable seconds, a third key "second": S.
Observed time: {"hour": 1, "minute": 47}
